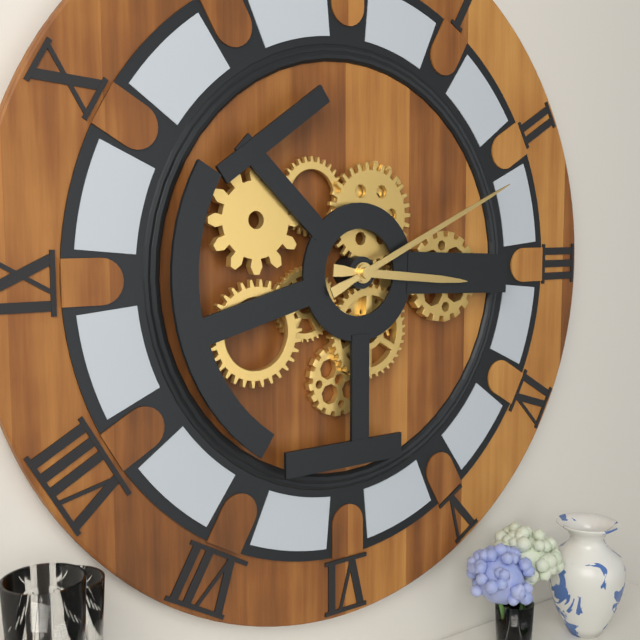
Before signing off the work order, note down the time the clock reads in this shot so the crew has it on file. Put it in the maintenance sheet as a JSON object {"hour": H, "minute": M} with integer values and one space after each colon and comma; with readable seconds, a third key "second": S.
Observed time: {"hour": 3, "minute": 11}
